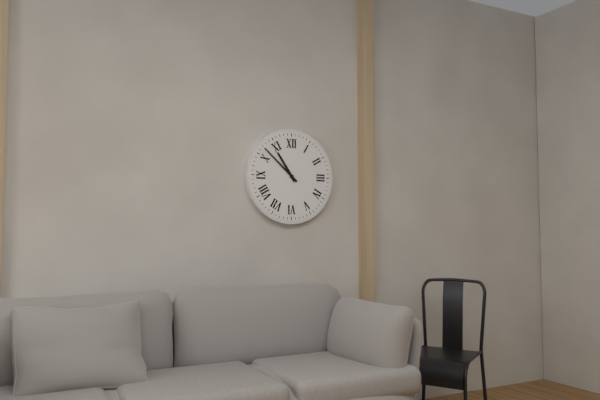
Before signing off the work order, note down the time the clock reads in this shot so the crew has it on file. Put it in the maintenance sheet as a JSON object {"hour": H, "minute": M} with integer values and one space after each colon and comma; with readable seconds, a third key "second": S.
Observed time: {"hour": 10, "minute": 52}
